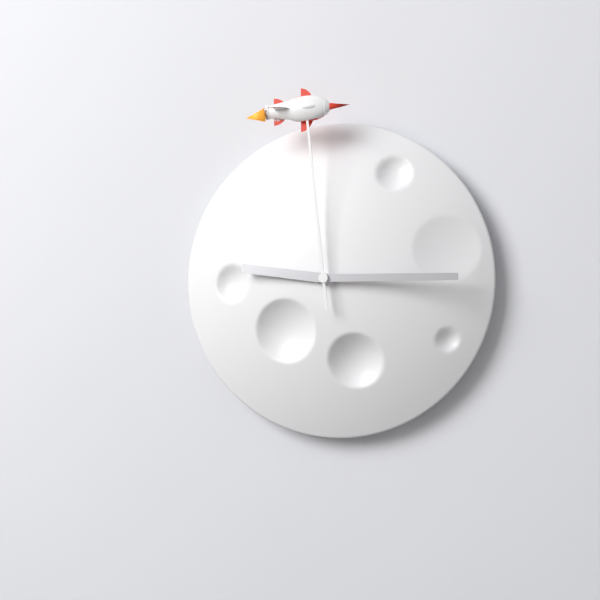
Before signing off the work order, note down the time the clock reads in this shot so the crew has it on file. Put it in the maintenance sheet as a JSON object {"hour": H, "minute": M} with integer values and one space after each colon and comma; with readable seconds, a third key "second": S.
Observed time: {"hour": 9, "minute": 15, "second": 59}
